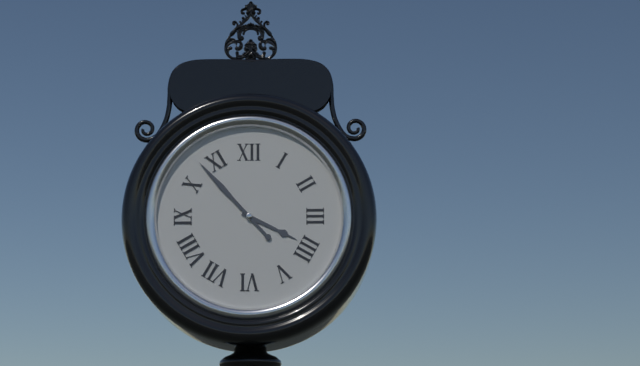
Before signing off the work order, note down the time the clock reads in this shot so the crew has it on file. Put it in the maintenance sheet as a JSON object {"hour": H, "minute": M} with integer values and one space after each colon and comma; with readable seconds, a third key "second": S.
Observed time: {"hour": 3, "minute": 53}
